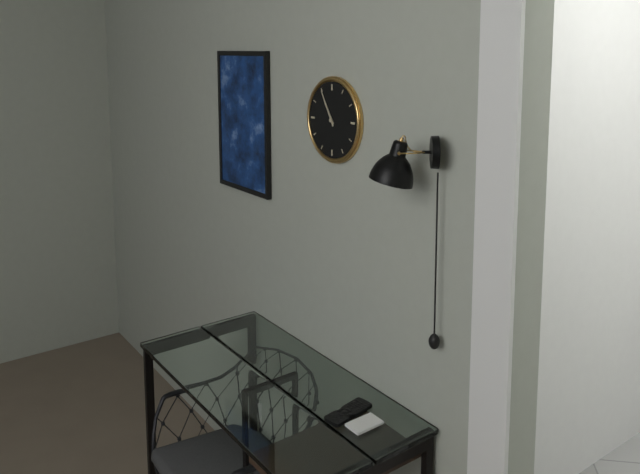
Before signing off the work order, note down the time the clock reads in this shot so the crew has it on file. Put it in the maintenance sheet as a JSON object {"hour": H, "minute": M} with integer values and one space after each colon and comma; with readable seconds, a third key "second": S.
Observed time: {"hour": 10, "minute": 55}
